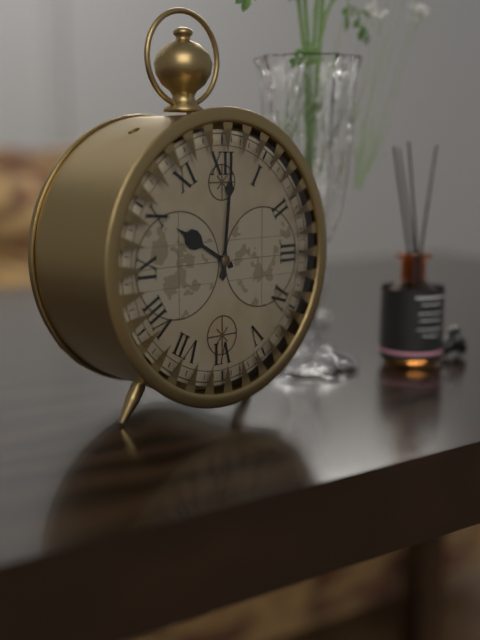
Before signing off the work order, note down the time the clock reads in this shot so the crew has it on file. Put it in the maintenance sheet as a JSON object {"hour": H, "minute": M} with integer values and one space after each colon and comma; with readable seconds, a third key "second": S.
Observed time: {"hour": 10, "minute": 1}
